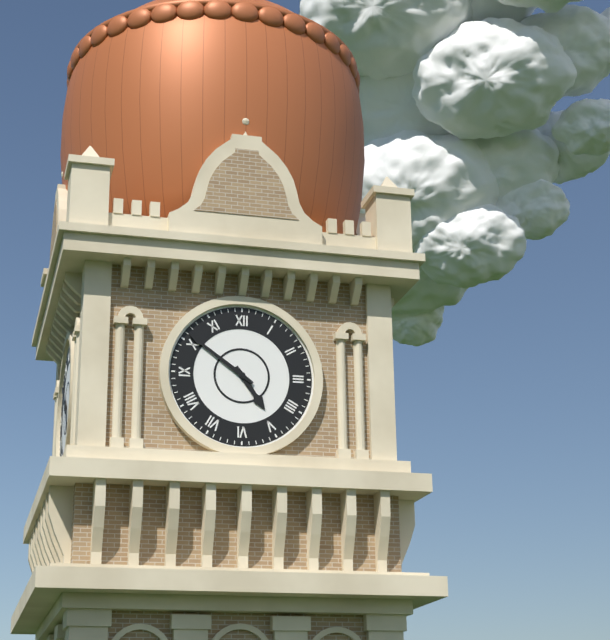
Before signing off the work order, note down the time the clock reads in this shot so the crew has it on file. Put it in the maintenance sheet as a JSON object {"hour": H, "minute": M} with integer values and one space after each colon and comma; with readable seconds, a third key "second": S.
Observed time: {"hour": 4, "minute": 51}
